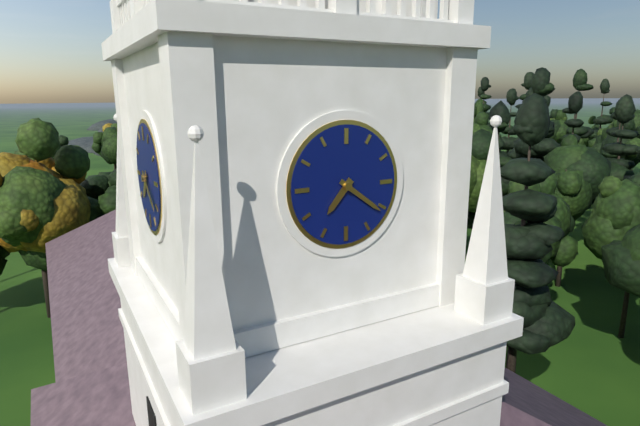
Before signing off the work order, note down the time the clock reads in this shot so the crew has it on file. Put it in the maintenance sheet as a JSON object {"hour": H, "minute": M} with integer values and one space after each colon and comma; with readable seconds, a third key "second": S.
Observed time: {"hour": 7, "minute": 21}
